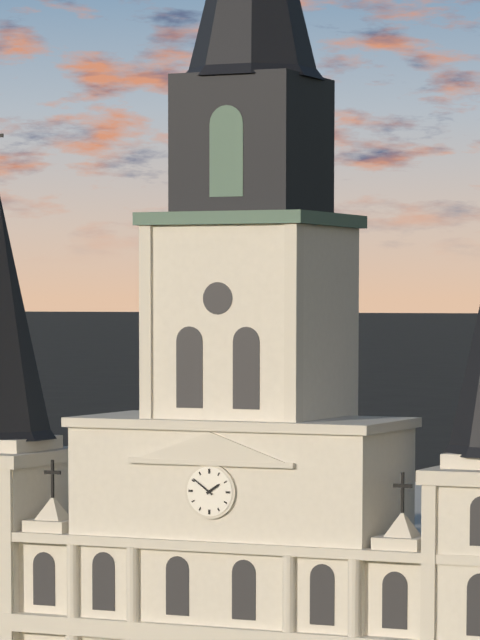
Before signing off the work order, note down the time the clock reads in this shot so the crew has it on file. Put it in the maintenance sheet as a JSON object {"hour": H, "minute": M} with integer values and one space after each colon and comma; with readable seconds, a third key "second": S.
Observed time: {"hour": 1, "minute": 51}
